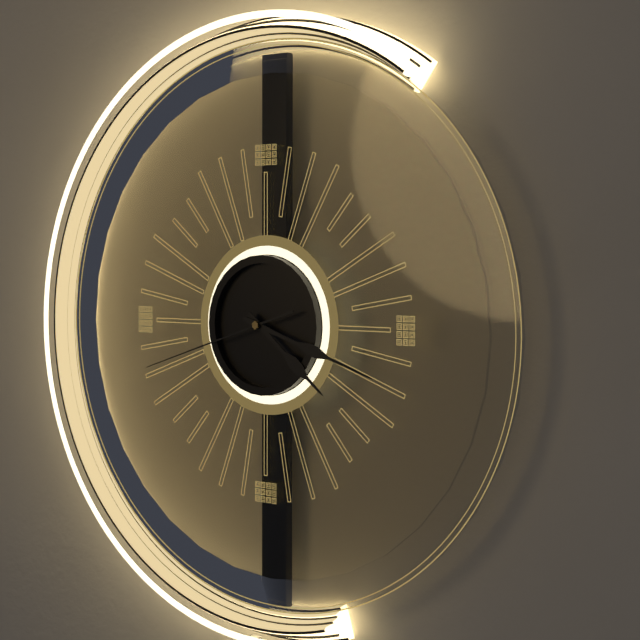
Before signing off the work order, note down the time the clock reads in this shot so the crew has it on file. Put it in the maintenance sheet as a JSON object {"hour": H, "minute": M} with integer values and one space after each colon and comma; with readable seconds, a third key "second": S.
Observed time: {"hour": 4, "minute": 18, "second": 42}
